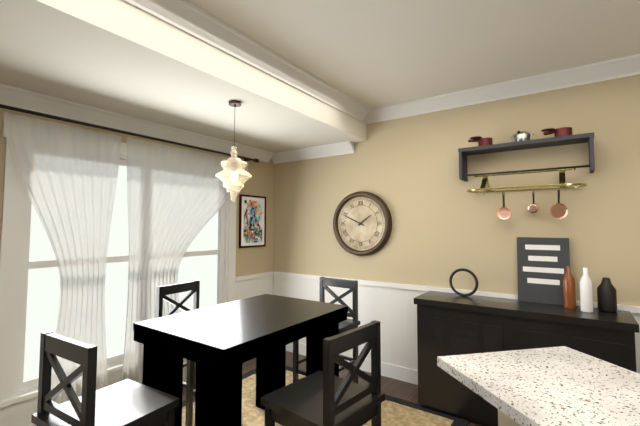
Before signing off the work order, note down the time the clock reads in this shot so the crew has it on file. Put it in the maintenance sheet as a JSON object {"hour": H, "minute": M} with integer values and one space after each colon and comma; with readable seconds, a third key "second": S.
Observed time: {"hour": 1, "minute": 49}
